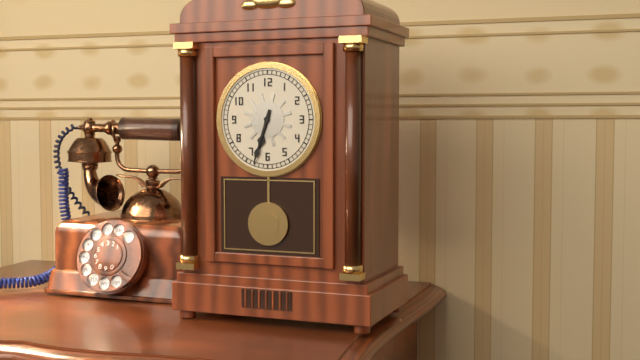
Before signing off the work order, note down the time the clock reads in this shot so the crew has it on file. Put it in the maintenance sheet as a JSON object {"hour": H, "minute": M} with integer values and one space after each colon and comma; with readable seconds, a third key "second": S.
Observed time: {"hour": 6, "minute": 33}
